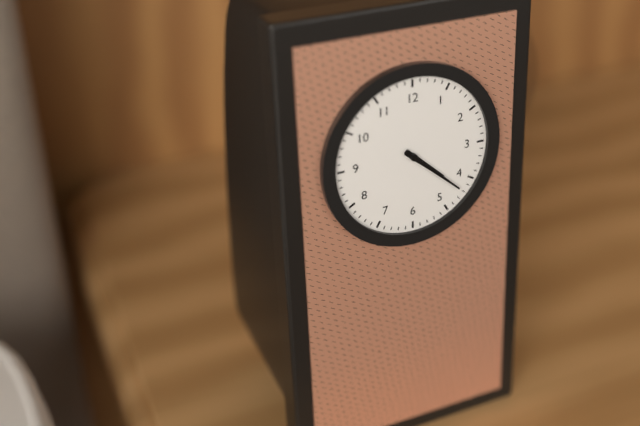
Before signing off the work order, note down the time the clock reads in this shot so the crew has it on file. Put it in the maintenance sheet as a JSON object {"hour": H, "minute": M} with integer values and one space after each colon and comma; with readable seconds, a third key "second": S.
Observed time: {"hour": 4, "minute": 22}
